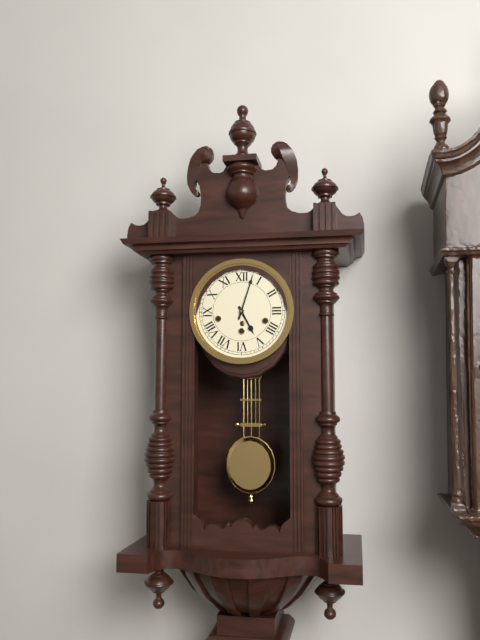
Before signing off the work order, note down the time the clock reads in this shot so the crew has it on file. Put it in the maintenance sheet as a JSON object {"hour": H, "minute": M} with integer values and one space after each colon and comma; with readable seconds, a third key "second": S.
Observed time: {"hour": 5, "minute": 3}
